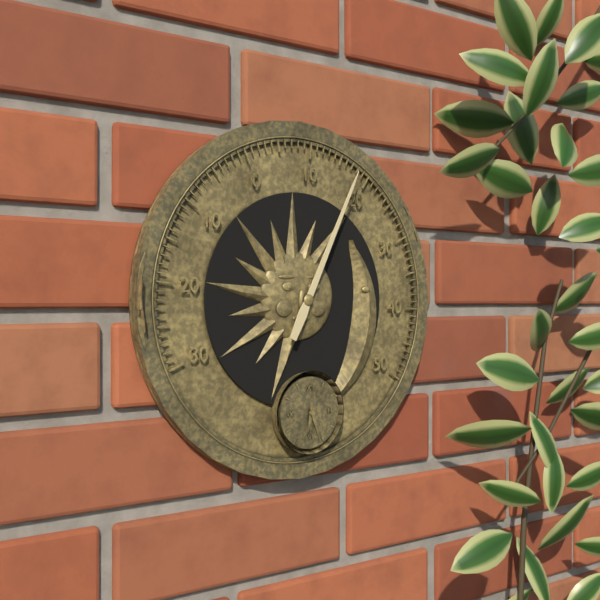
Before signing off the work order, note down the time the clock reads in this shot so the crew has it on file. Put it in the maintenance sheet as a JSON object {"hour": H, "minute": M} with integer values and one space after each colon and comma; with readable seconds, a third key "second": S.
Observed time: {"hour": 6, "minute": 27}
